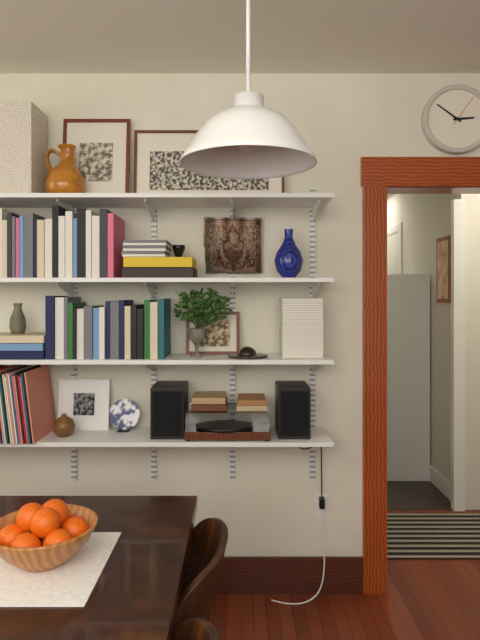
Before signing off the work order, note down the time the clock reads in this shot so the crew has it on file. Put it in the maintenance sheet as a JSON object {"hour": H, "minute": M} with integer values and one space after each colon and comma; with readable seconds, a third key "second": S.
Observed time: {"hour": 2, "minute": 51}
